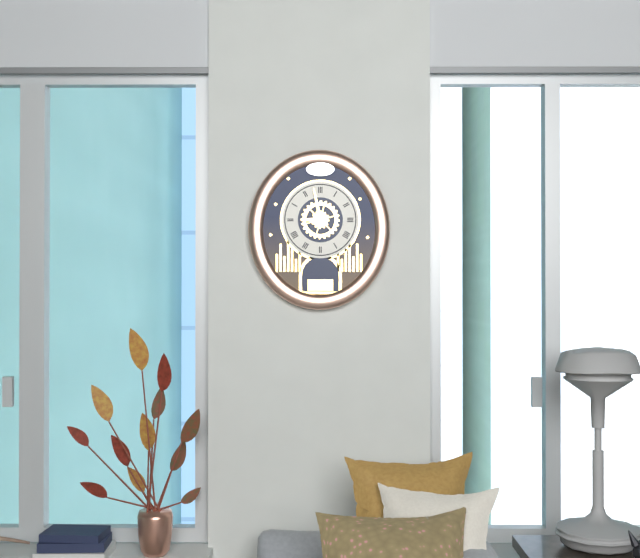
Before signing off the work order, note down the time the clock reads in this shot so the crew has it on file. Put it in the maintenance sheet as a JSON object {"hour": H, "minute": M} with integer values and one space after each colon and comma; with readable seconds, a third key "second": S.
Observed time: {"hour": 8, "minute": 58}
